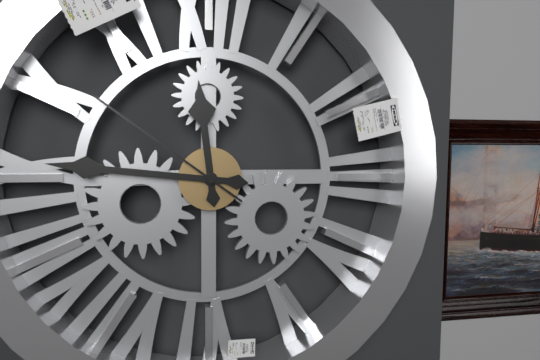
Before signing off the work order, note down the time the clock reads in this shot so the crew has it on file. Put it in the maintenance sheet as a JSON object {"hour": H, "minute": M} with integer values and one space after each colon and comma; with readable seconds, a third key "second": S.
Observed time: {"hour": 11, "minute": 46, "second": 51}
